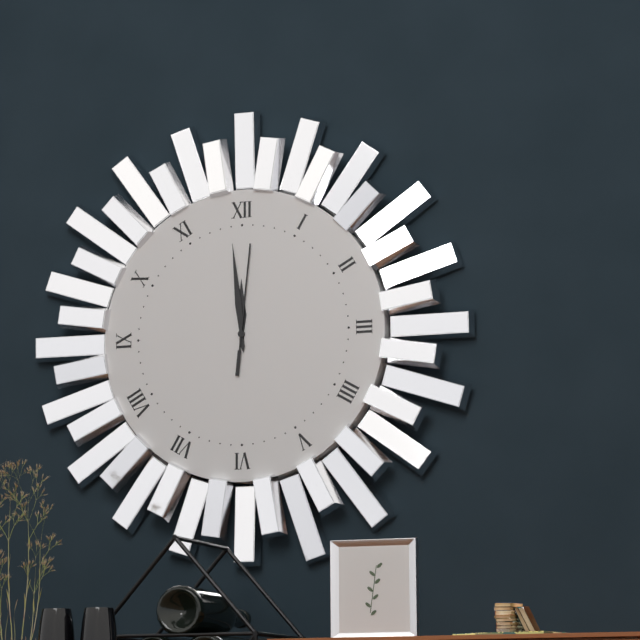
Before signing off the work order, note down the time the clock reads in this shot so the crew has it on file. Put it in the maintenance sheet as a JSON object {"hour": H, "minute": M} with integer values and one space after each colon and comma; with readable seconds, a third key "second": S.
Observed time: {"hour": 11, "minute": 59, "second": 1}
